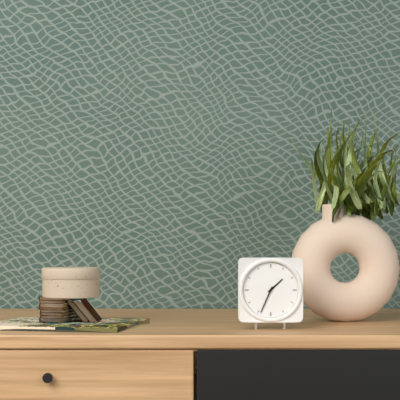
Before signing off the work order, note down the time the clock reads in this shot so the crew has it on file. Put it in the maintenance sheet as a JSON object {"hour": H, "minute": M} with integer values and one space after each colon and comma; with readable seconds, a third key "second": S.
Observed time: {"hour": 1, "minute": 34}
